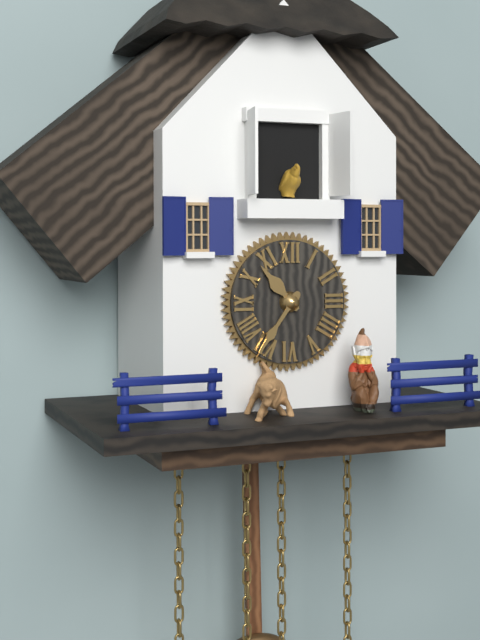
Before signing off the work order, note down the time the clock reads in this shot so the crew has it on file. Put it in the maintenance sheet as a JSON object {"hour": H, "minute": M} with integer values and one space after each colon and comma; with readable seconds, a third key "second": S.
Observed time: {"hour": 10, "minute": 36}
